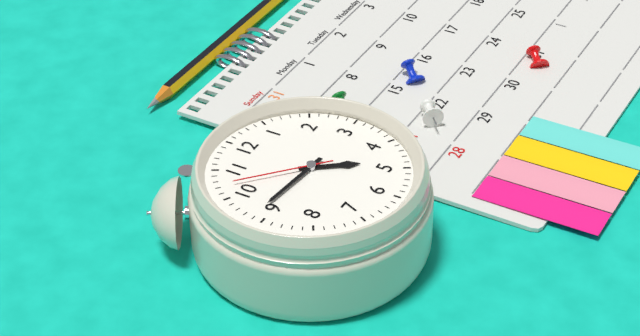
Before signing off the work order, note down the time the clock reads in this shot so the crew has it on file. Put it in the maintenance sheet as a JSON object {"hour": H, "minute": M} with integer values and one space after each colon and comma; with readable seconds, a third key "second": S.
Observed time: {"hour": 4, "minute": 46, "second": 52}
